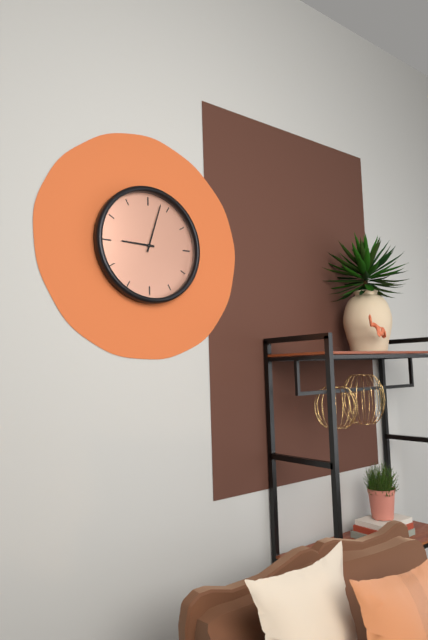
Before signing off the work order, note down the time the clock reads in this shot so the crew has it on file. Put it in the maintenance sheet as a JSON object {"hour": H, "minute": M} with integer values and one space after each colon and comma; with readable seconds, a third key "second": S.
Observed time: {"hour": 9, "minute": 3}
